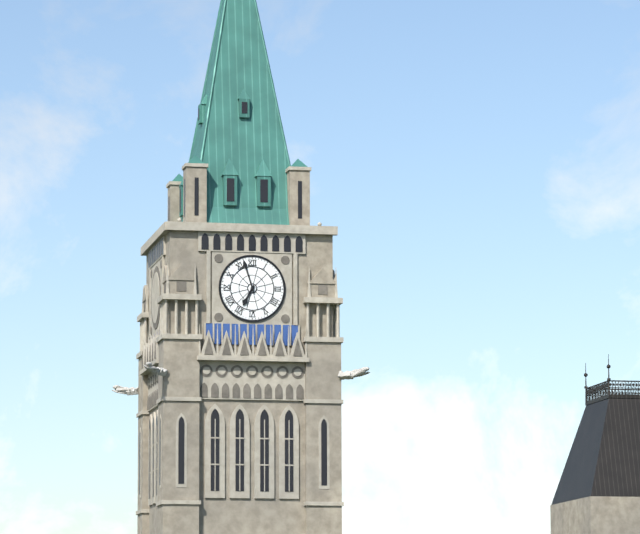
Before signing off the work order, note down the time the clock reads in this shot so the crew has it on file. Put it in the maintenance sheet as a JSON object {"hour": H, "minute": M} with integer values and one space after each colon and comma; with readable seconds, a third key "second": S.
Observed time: {"hour": 6, "minute": 57}
